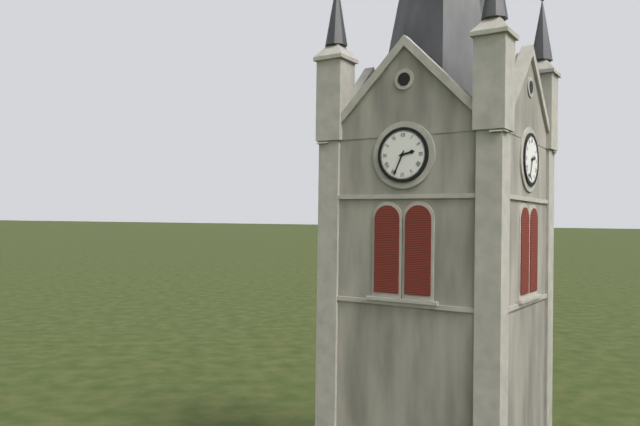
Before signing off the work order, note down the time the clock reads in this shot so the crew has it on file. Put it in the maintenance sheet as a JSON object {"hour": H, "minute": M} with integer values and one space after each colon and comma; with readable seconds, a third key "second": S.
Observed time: {"hour": 2, "minute": 34}
